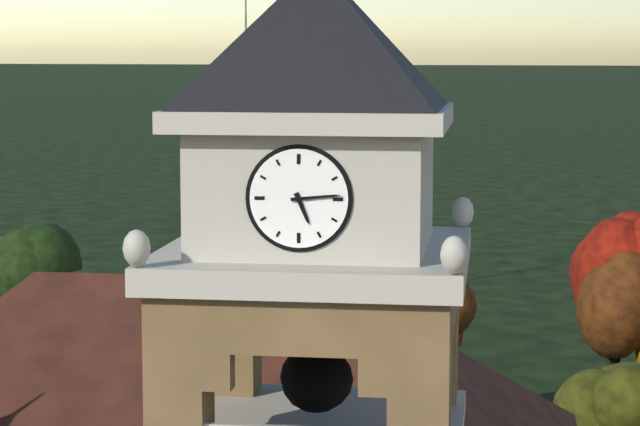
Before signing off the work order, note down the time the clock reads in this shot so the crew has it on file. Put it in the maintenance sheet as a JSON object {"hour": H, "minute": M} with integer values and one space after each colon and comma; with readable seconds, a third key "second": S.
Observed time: {"hour": 5, "minute": 14}
